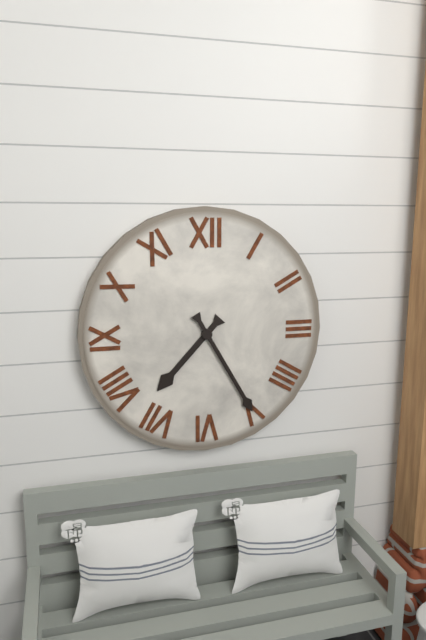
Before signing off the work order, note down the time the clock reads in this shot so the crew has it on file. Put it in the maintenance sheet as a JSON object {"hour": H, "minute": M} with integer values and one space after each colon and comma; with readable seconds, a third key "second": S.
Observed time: {"hour": 7, "minute": 25}
